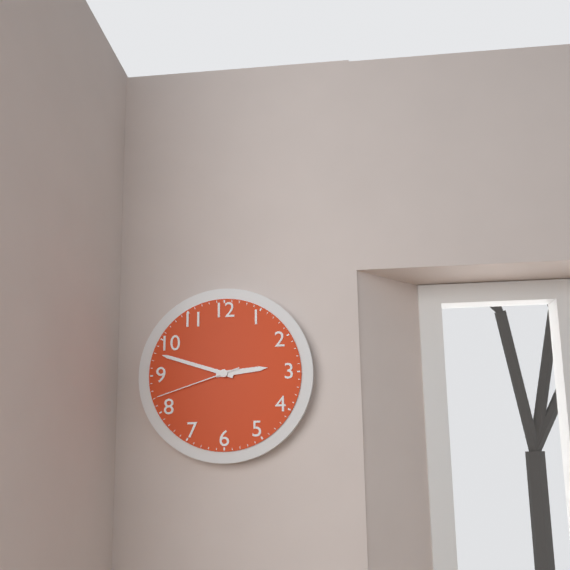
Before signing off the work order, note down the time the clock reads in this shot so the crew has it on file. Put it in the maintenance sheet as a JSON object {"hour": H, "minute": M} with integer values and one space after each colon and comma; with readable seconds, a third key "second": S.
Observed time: {"hour": 2, "minute": 48, "second": 42}
